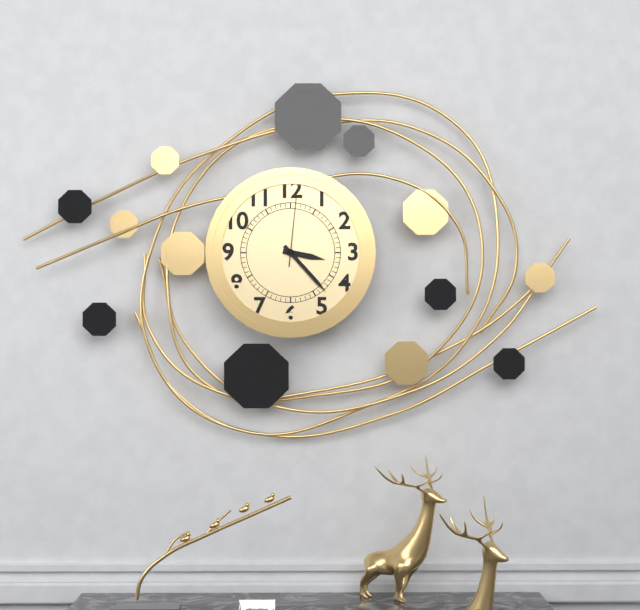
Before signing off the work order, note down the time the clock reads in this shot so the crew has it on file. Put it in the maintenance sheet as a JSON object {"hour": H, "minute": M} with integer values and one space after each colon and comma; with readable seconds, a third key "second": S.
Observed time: {"hour": 3, "minute": 23, "second": 1}
